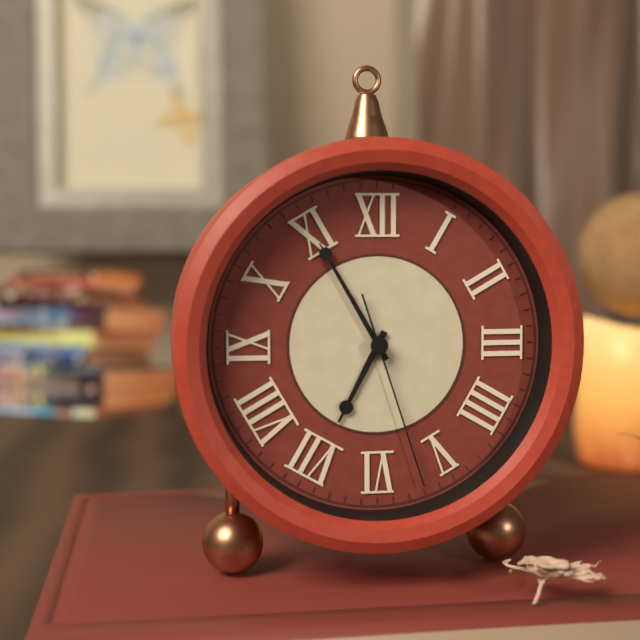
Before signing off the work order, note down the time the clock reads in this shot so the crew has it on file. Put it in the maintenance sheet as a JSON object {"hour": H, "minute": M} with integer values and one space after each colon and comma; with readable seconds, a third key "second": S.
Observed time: {"hour": 6, "minute": 55, "second": 27}
